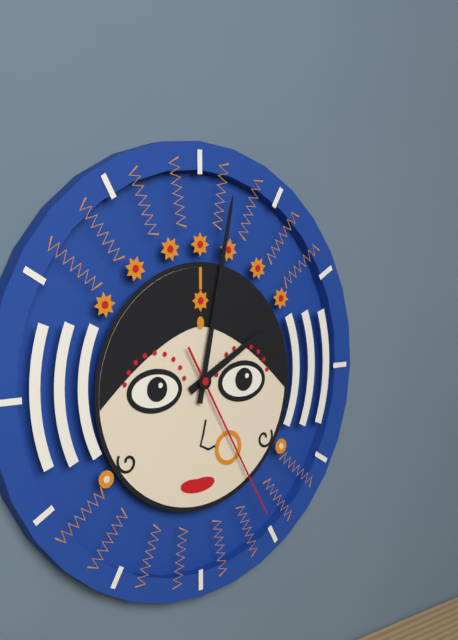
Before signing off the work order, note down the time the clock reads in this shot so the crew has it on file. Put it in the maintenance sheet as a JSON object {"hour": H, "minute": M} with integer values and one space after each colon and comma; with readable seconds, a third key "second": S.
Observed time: {"hour": 2, "minute": 2, "second": 25}
